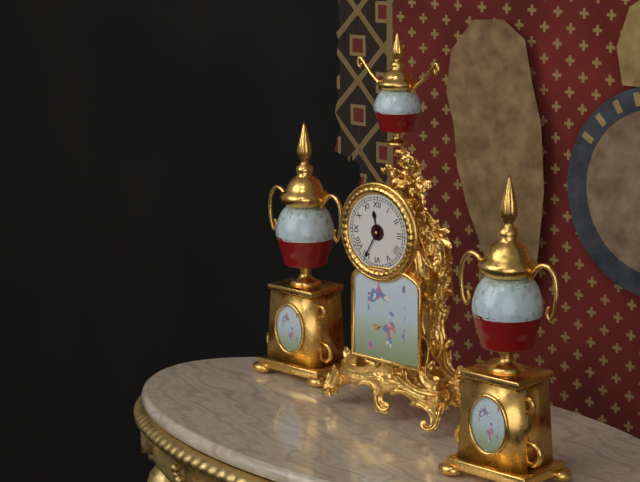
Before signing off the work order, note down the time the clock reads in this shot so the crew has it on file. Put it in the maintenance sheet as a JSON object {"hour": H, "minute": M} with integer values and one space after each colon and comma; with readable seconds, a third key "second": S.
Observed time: {"hour": 11, "minute": 35}
